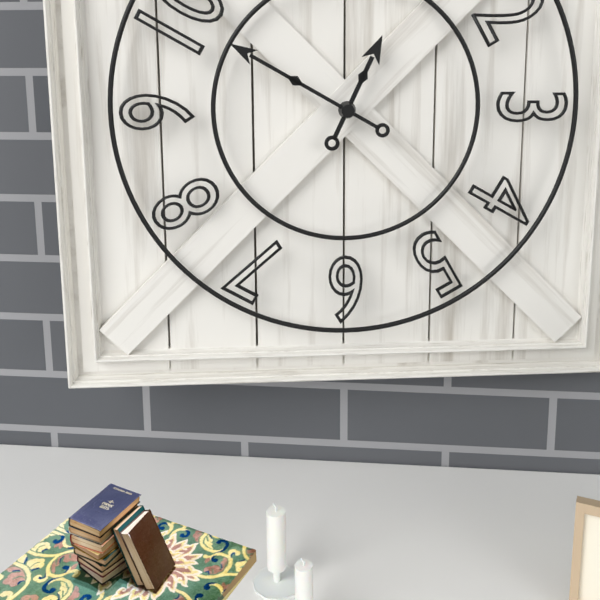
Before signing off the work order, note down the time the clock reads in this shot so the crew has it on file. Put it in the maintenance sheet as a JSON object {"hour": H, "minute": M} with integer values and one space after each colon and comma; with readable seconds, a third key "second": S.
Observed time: {"hour": 12, "minute": 50}
